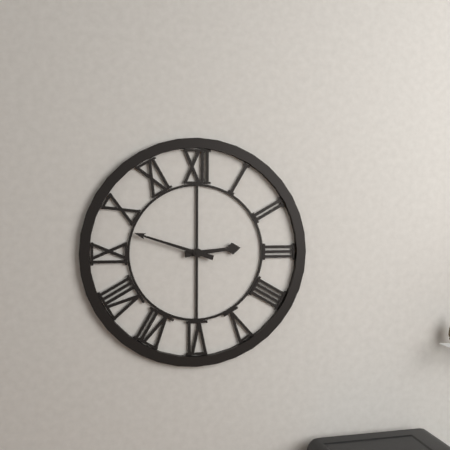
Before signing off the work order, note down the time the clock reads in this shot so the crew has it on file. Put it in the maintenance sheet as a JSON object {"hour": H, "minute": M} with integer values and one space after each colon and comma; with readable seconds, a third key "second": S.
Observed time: {"hour": 2, "minute": 48}
